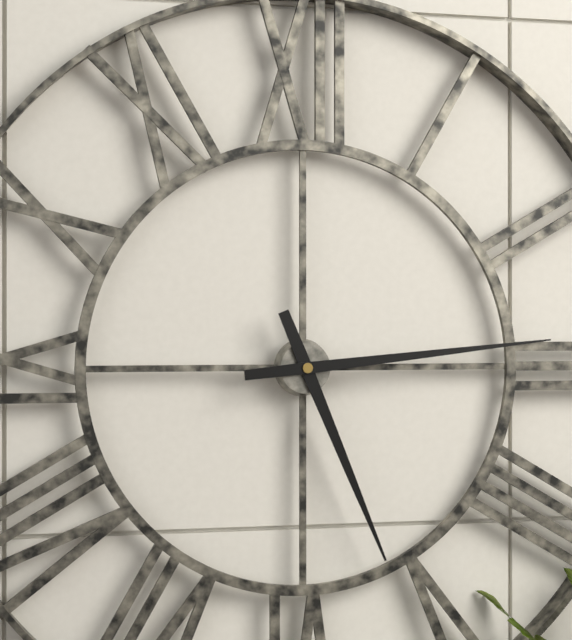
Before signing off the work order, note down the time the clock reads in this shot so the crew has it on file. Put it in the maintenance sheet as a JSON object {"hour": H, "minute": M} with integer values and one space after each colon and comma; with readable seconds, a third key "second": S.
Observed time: {"hour": 5, "minute": 14}
